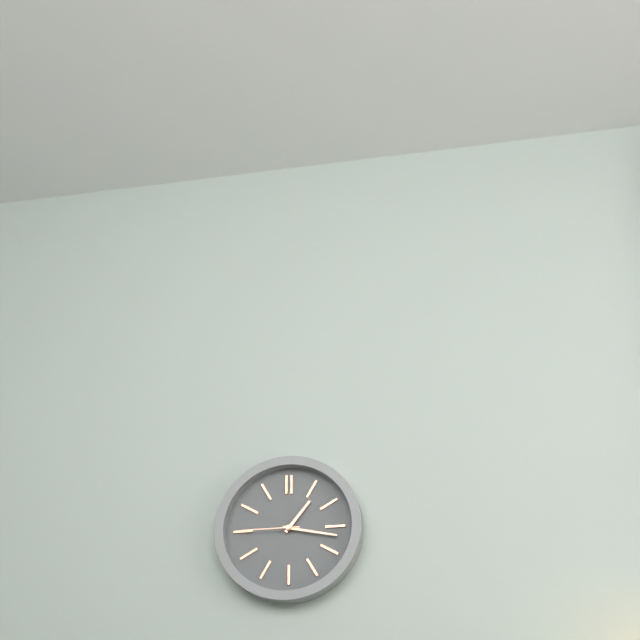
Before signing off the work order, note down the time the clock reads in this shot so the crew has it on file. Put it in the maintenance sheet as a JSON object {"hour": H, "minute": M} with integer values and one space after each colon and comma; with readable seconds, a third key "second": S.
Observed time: {"hour": 1, "minute": 17, "second": 45}
